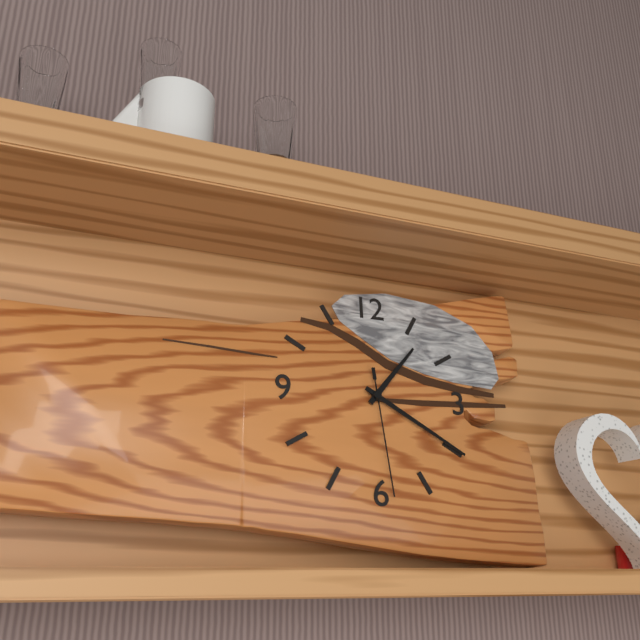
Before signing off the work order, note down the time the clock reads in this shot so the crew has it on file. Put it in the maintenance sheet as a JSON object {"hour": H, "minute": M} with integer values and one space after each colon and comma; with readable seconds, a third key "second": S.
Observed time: {"hour": 1, "minute": 20, "second": 29}
